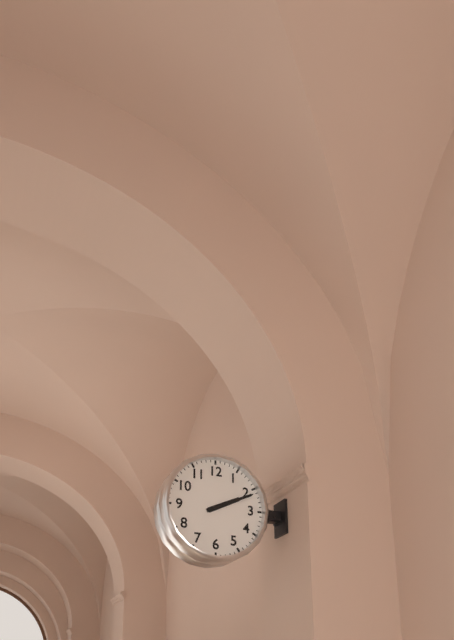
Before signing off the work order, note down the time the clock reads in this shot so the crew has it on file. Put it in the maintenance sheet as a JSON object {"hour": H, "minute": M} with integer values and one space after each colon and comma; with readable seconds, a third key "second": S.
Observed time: {"hour": 2, "minute": 11}
